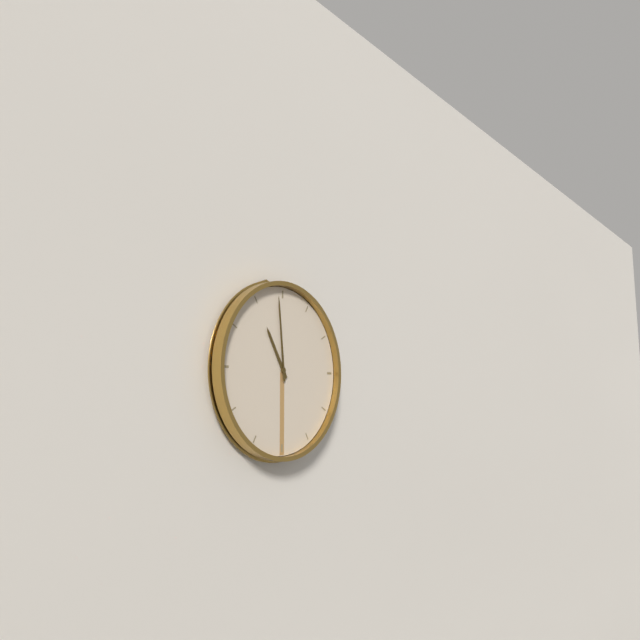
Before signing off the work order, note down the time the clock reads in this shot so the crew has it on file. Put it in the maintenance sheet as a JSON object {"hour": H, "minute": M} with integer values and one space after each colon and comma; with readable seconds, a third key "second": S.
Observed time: {"hour": 10, "minute": 59}
